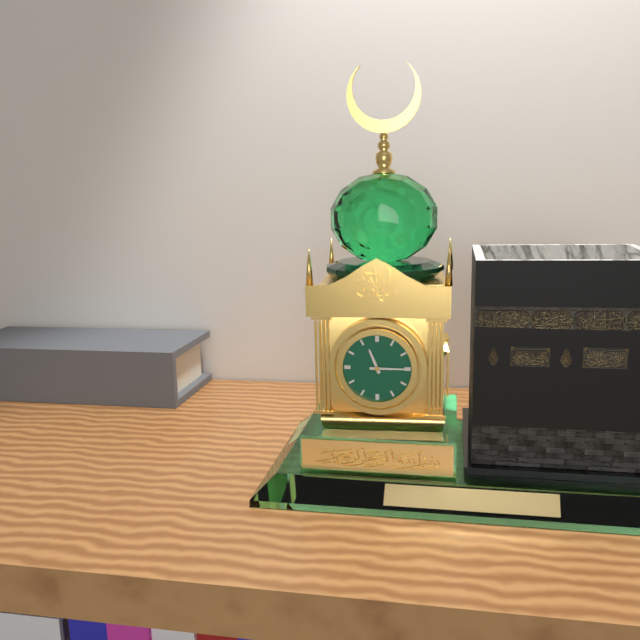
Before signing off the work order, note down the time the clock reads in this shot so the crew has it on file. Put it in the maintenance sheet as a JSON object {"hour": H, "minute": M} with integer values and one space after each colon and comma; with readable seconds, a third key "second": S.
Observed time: {"hour": 11, "minute": 15}
